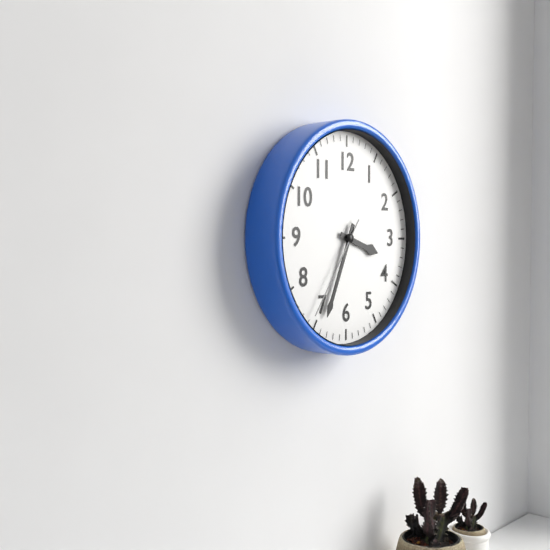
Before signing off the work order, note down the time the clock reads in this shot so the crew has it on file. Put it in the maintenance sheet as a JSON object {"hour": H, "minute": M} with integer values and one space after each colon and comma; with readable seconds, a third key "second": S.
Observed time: {"hour": 3, "minute": 34, "second": 36}
